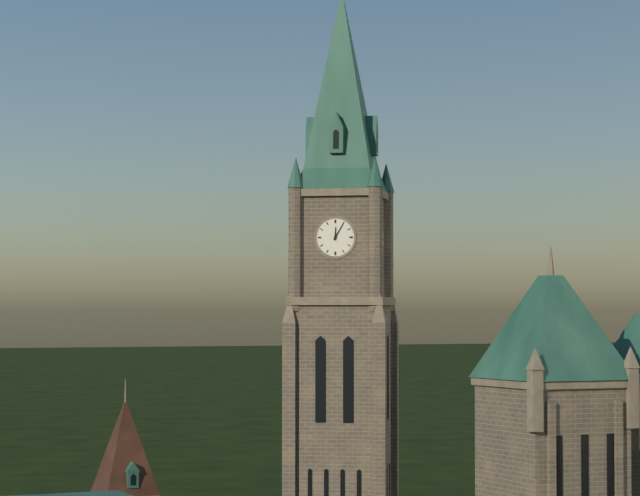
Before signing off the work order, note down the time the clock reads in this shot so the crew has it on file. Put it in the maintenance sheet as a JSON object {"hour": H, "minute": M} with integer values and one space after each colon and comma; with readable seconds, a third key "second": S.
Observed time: {"hour": 12, "minute": 5}
